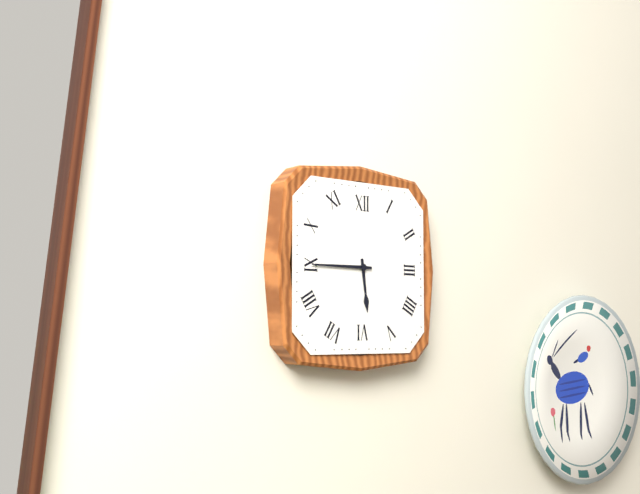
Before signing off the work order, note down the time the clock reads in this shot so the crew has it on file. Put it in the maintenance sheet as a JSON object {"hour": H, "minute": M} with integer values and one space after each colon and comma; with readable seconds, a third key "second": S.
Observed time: {"hour": 5, "minute": 45}
